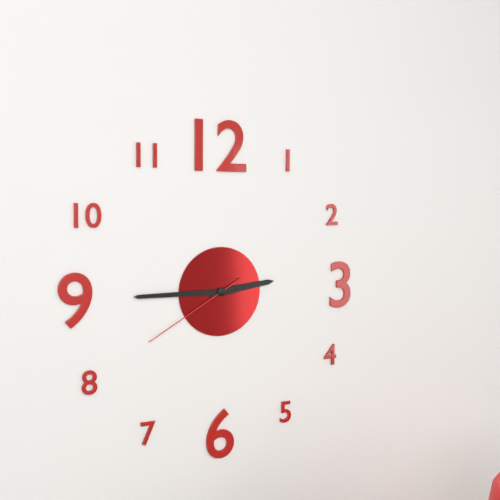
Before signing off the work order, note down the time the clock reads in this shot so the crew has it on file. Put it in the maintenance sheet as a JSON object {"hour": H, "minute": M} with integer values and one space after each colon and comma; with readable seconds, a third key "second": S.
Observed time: {"hour": 2, "minute": 45, "second": 40}
